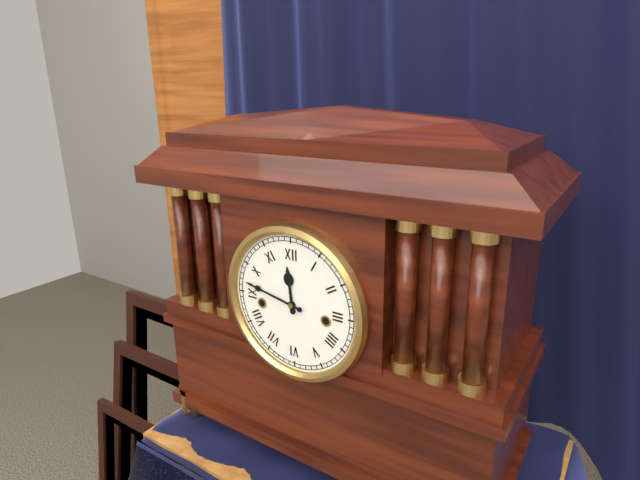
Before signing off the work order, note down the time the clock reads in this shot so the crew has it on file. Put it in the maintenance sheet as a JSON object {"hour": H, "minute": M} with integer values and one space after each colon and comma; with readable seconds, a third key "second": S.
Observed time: {"hour": 11, "minute": 47}
